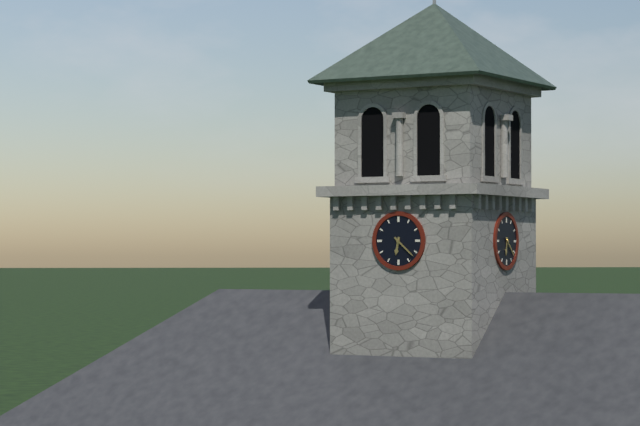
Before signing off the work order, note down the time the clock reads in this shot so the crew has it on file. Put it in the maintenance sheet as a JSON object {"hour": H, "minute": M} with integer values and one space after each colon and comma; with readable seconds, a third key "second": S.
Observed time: {"hour": 6, "minute": 22}
